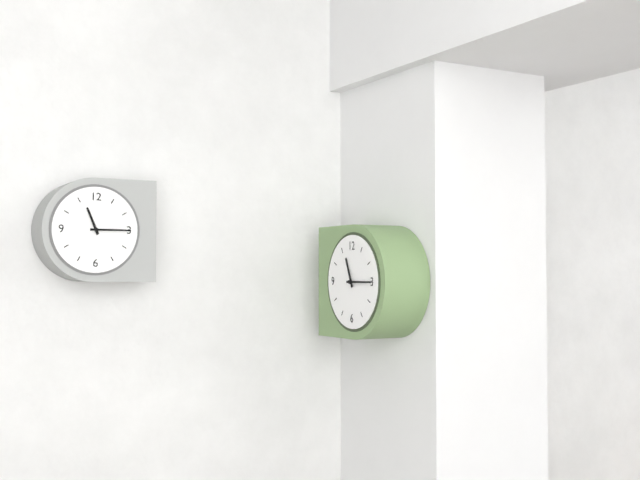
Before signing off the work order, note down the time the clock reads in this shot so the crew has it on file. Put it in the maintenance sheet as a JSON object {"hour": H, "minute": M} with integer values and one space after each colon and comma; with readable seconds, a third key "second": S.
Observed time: {"hour": 11, "minute": 15}
